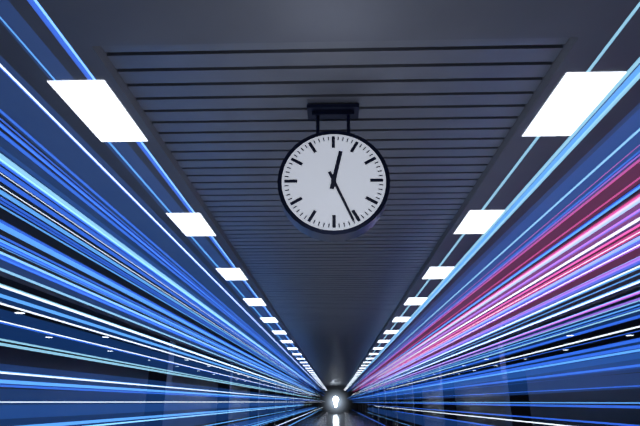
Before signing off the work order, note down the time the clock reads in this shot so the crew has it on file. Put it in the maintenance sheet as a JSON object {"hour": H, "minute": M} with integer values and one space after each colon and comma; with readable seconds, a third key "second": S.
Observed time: {"hour": 12, "minute": 26}
